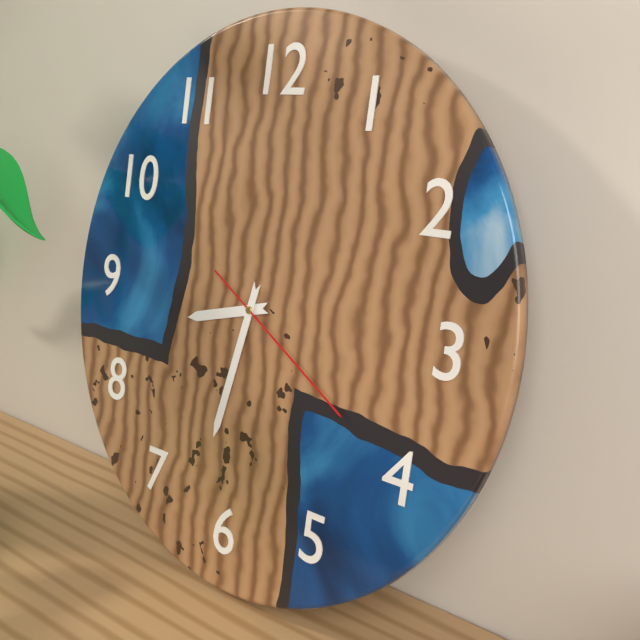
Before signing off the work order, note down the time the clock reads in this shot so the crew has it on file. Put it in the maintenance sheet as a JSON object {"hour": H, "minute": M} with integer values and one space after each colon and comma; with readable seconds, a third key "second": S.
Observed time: {"hour": 8, "minute": 32, "second": 20}
